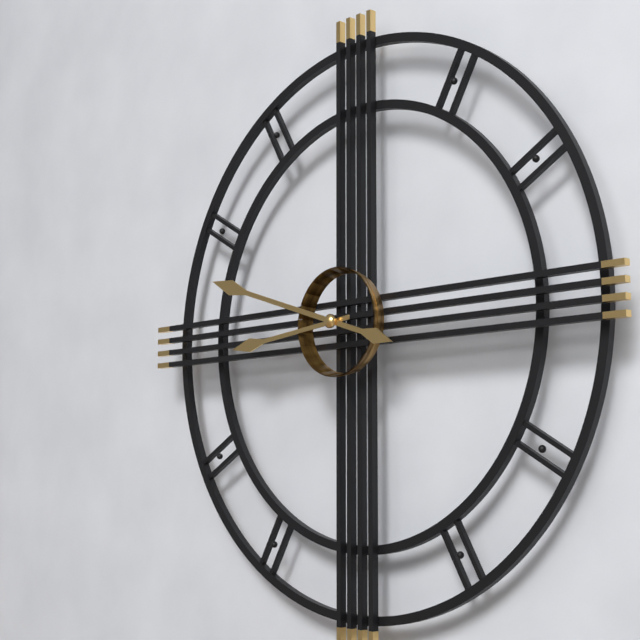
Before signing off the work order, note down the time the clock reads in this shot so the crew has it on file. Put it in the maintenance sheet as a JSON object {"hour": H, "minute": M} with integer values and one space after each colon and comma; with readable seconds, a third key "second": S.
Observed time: {"hour": 8, "minute": 48}
